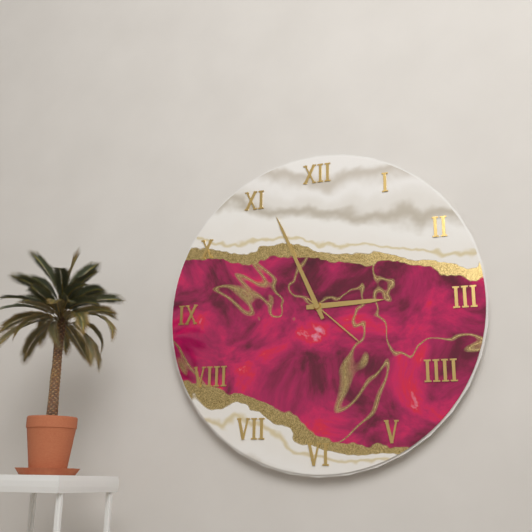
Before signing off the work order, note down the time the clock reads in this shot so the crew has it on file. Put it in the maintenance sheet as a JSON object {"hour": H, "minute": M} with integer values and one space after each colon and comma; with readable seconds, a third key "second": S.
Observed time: {"hour": 2, "minute": 56, "second": 22}
